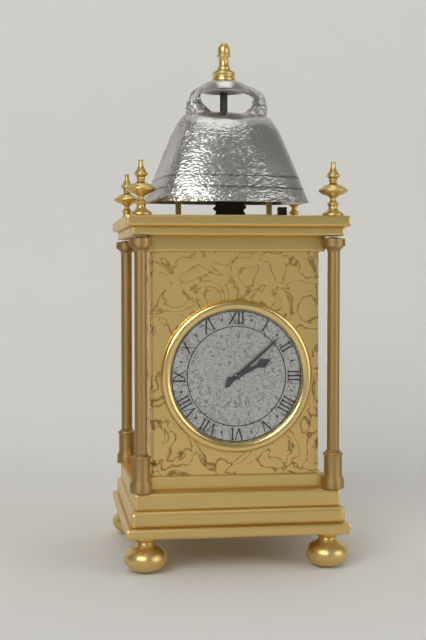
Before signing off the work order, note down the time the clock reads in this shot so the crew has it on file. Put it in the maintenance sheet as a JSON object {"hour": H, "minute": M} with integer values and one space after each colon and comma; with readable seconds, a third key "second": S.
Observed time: {"hour": 2, "minute": 8}
